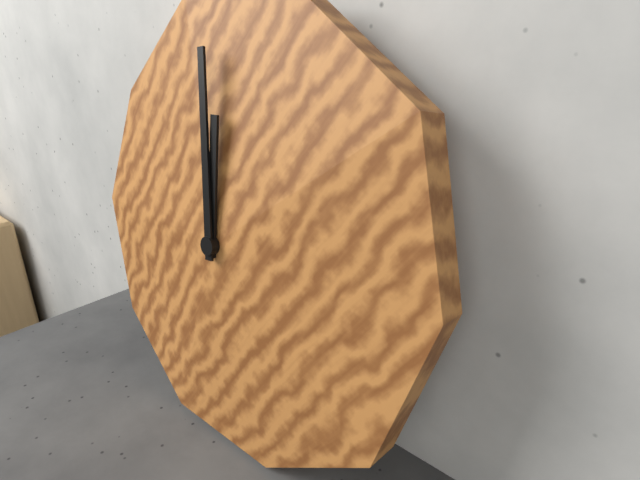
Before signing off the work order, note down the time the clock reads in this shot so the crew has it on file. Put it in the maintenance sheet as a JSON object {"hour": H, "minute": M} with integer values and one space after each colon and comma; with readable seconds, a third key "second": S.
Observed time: {"hour": 11, "minute": 59}
